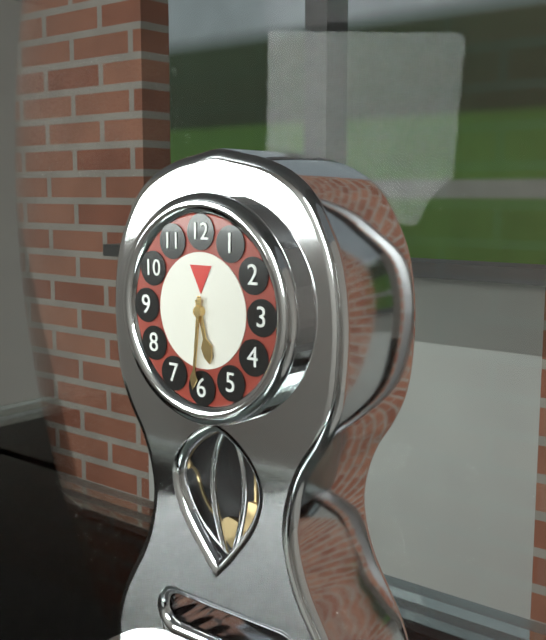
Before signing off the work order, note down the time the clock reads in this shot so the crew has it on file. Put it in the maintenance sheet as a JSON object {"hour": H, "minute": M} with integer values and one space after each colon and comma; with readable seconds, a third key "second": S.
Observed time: {"hour": 5, "minute": 31}
